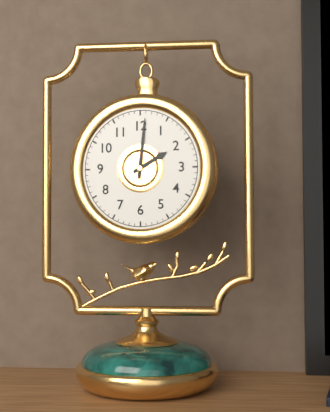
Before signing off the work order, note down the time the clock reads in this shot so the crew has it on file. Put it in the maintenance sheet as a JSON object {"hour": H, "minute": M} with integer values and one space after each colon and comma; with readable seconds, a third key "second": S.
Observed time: {"hour": 2, "minute": 1}
